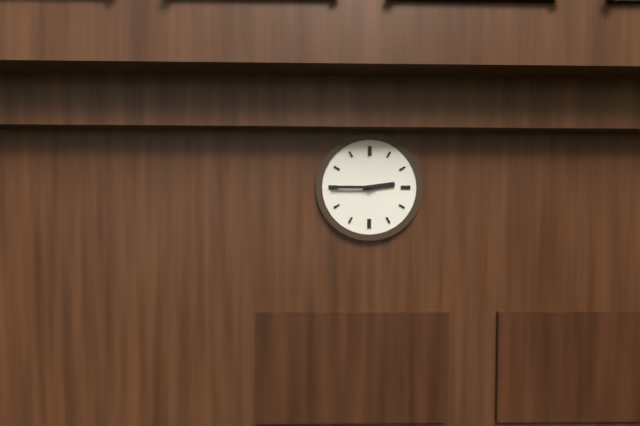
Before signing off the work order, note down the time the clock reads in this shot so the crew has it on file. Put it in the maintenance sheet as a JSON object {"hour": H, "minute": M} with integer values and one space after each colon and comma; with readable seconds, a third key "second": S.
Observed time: {"hour": 2, "minute": 45}
